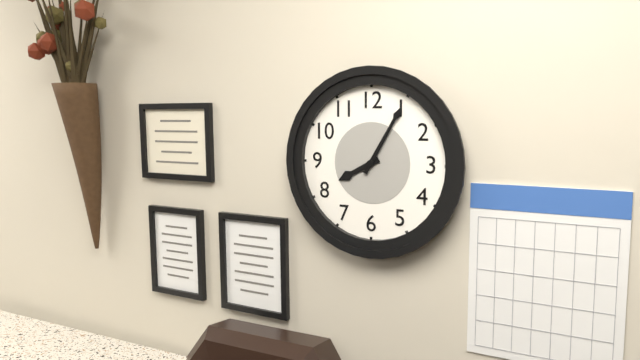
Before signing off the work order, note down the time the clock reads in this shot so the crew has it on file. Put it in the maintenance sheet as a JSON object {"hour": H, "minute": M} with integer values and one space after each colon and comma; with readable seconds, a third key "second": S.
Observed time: {"hour": 8, "minute": 5}
